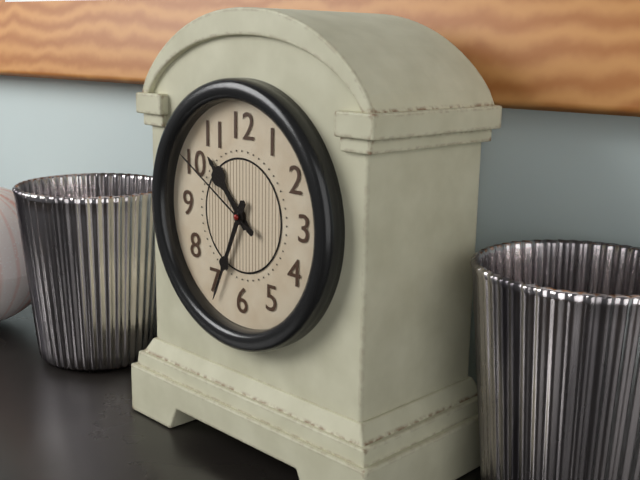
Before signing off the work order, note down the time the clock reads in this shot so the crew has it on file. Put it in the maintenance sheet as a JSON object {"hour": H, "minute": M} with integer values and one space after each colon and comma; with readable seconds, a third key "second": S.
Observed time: {"hour": 10, "minute": 34, "second": 50}
